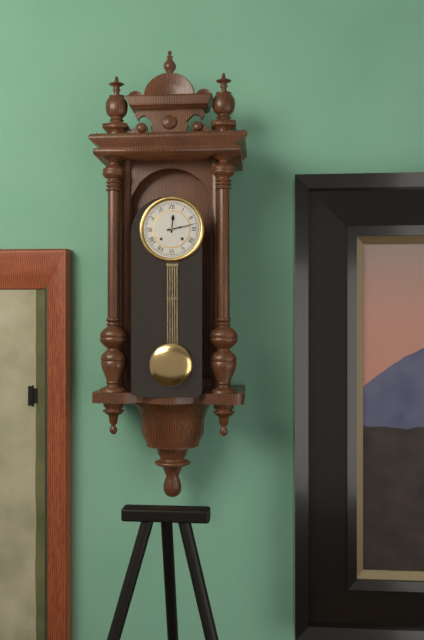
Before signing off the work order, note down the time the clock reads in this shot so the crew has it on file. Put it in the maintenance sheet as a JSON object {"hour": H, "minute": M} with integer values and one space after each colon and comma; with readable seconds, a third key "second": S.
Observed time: {"hour": 12, "minute": 13}
